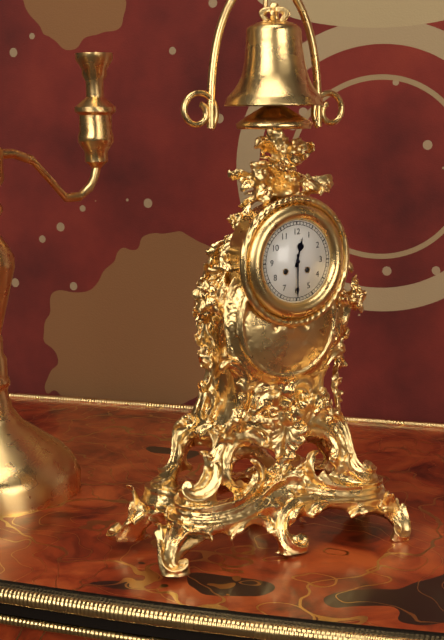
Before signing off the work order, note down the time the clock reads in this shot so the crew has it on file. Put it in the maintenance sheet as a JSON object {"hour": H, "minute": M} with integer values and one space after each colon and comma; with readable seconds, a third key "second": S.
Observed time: {"hour": 12, "minute": 30}
